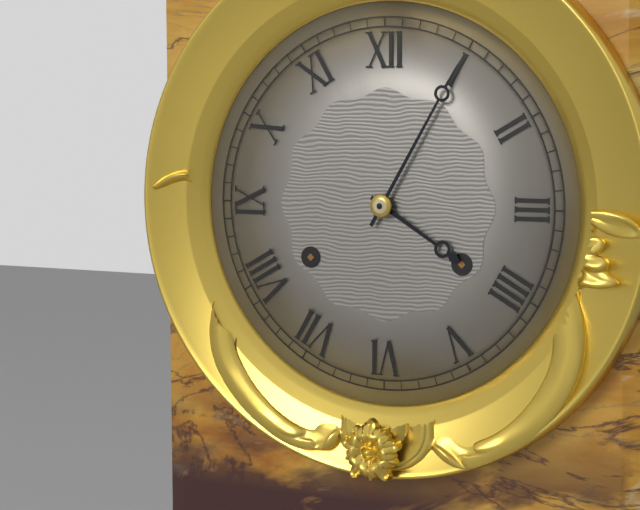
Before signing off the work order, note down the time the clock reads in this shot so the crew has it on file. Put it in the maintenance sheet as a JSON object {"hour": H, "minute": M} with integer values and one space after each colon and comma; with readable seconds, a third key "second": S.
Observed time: {"hour": 4, "minute": 5}
